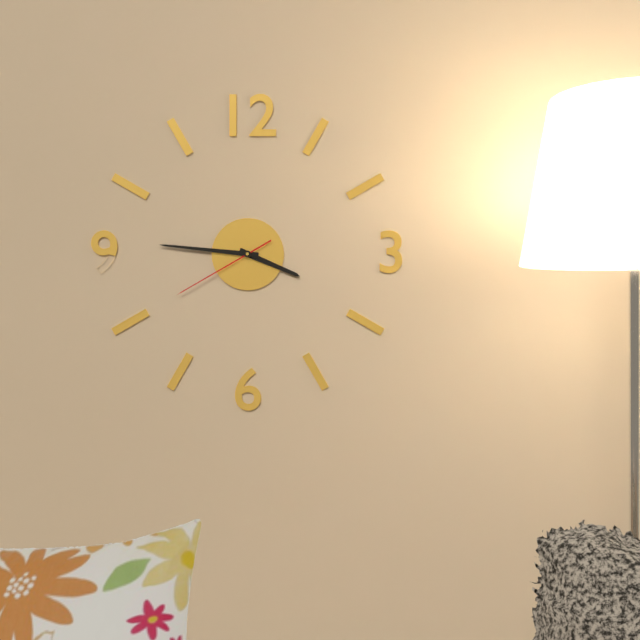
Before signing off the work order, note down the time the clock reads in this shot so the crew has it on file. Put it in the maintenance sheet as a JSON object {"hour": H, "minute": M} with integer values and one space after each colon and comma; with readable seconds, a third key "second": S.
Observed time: {"hour": 3, "minute": 46, "second": 40}
